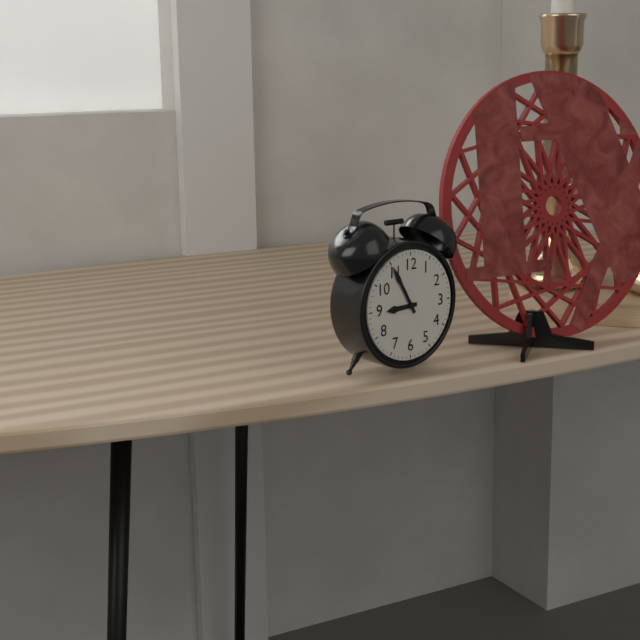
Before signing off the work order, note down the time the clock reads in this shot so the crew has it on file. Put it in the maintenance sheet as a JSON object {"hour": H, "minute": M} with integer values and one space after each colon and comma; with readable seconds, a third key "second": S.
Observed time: {"hour": 8, "minute": 55}
